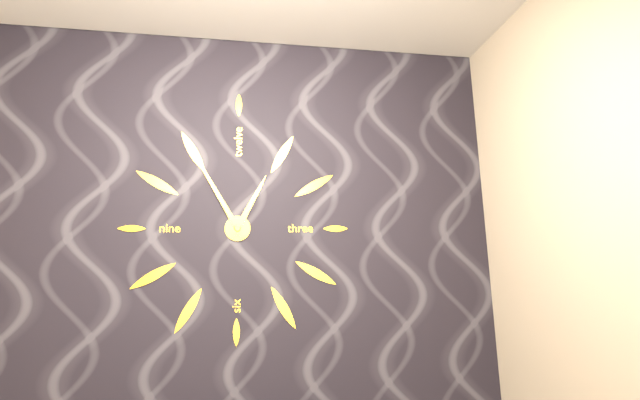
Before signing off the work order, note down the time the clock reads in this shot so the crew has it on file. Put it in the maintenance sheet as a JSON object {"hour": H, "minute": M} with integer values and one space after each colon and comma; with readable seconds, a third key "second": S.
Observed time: {"hour": 12, "minute": 55}
